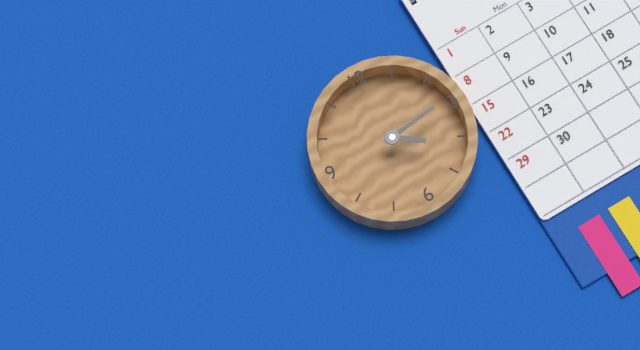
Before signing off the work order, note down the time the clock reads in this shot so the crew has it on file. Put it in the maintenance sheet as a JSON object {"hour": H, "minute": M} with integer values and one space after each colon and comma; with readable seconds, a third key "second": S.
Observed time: {"hour": 4, "minute": 14}
